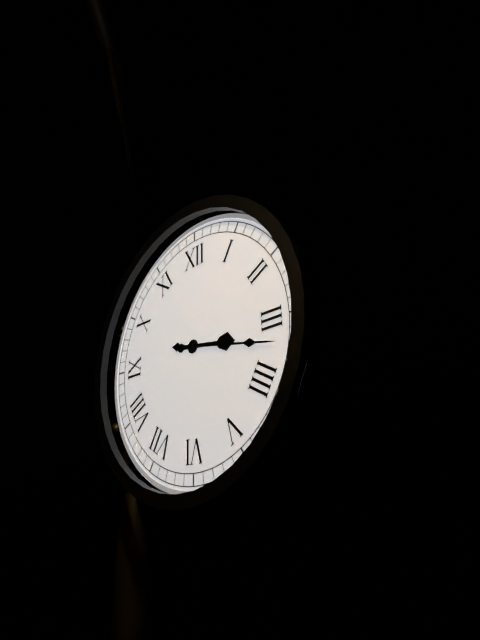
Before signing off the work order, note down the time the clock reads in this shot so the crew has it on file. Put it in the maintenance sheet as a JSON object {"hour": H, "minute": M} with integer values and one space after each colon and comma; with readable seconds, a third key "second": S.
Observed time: {"hour": 3, "minute": 17}
